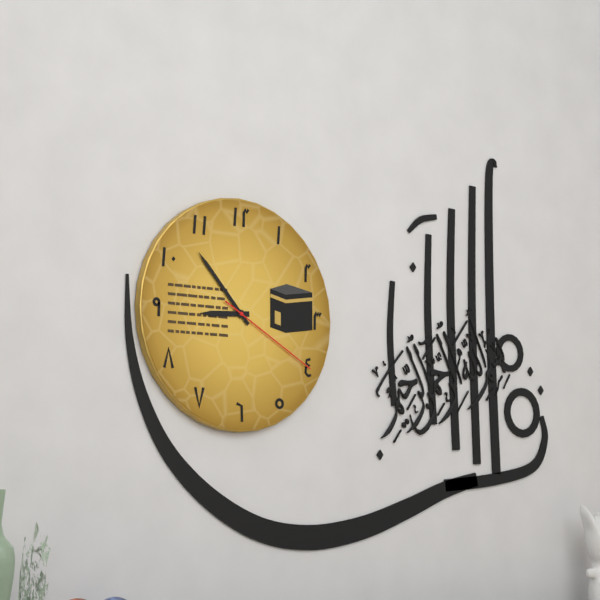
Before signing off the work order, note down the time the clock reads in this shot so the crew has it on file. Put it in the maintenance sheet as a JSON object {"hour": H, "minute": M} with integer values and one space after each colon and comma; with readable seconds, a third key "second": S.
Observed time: {"hour": 8, "minute": 53, "second": 20}
